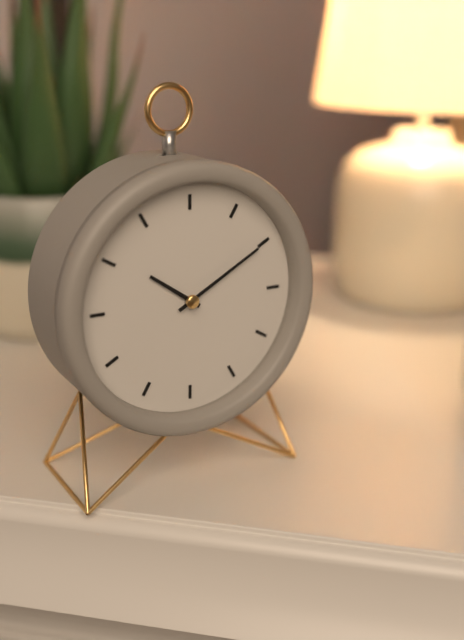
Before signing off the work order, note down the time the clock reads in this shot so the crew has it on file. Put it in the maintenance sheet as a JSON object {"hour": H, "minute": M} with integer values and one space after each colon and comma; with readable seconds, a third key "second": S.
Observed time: {"hour": 10, "minute": 10}
